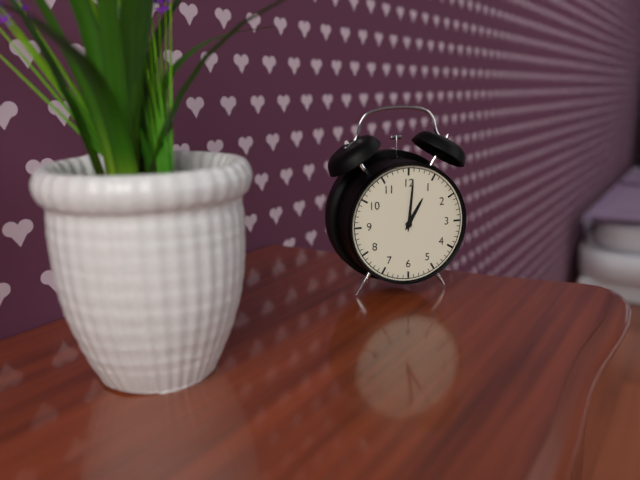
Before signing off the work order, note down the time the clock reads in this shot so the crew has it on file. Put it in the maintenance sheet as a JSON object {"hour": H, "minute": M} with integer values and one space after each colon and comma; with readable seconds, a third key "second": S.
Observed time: {"hour": 1, "minute": 1}
